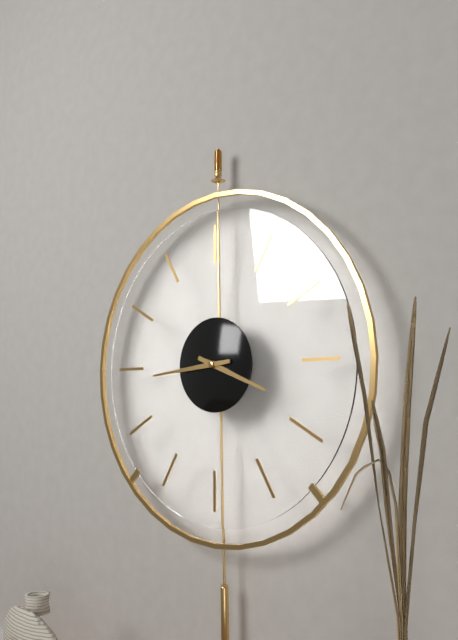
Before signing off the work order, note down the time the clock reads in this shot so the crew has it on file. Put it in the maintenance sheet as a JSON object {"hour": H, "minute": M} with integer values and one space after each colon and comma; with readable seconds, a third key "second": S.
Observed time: {"hour": 3, "minute": 44}
